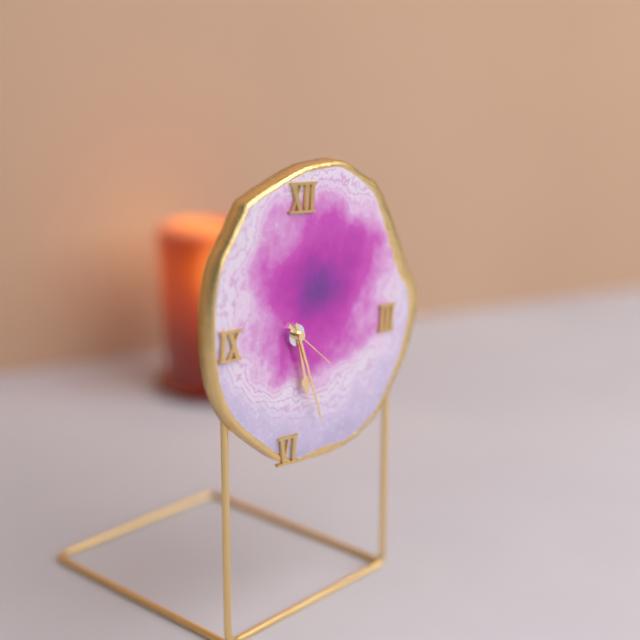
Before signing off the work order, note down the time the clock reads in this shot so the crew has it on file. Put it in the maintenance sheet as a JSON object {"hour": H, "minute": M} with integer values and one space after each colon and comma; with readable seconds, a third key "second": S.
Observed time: {"hour": 5, "minute": 26, "second": 21}
